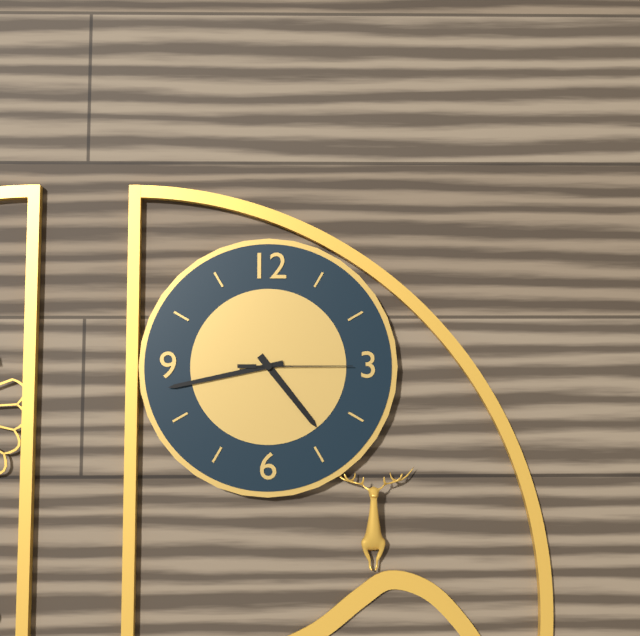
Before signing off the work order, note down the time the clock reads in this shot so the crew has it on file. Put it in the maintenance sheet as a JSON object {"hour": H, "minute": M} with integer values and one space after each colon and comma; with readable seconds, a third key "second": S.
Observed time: {"hour": 4, "minute": 43, "second": 15}
